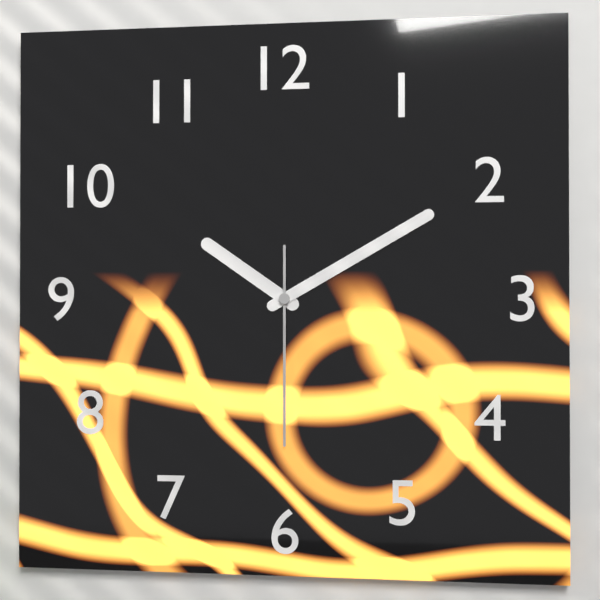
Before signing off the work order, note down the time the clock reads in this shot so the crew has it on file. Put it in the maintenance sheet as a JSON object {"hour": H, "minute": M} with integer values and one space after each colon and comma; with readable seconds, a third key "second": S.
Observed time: {"hour": 10, "minute": 10, "second": 30}
